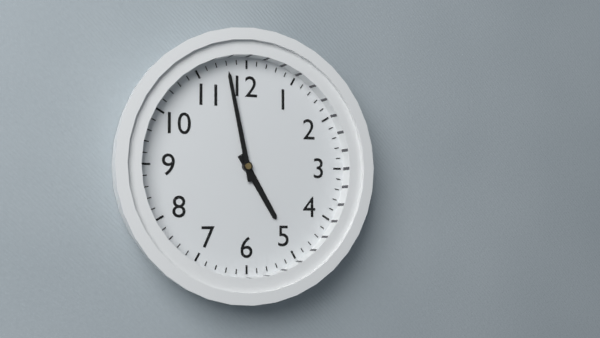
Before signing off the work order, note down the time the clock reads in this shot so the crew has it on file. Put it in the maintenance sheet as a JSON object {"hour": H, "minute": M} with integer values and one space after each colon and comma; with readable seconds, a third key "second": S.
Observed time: {"hour": 4, "minute": 58}
